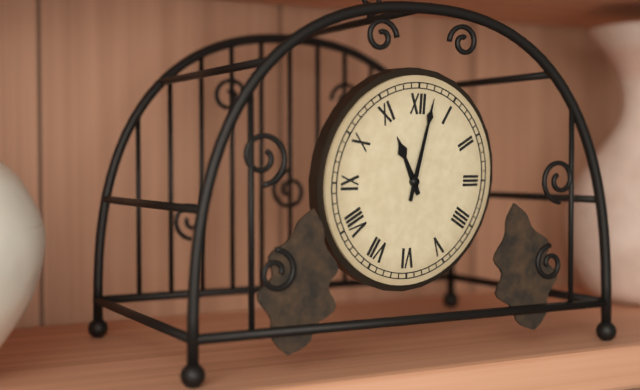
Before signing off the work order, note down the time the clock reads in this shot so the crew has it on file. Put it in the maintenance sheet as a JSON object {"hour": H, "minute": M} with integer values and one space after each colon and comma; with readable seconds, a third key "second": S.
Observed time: {"hour": 11, "minute": 2}
